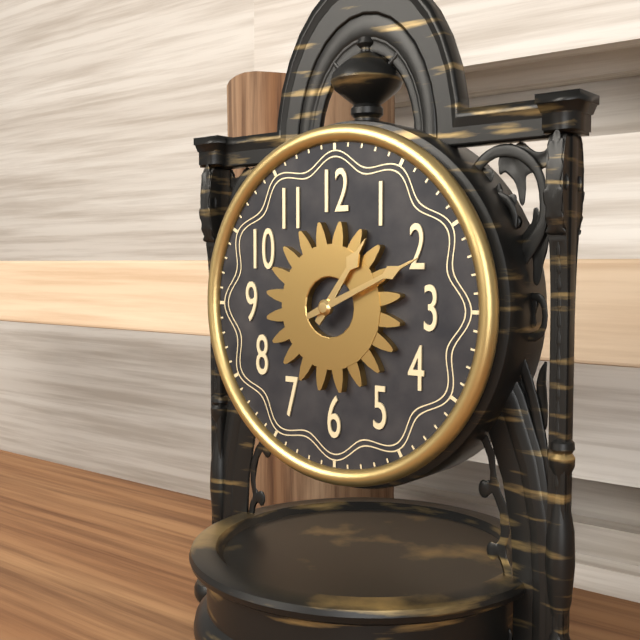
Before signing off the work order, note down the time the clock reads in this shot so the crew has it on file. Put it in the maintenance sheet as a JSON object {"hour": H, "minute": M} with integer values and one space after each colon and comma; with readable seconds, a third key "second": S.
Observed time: {"hour": 1, "minute": 11}
